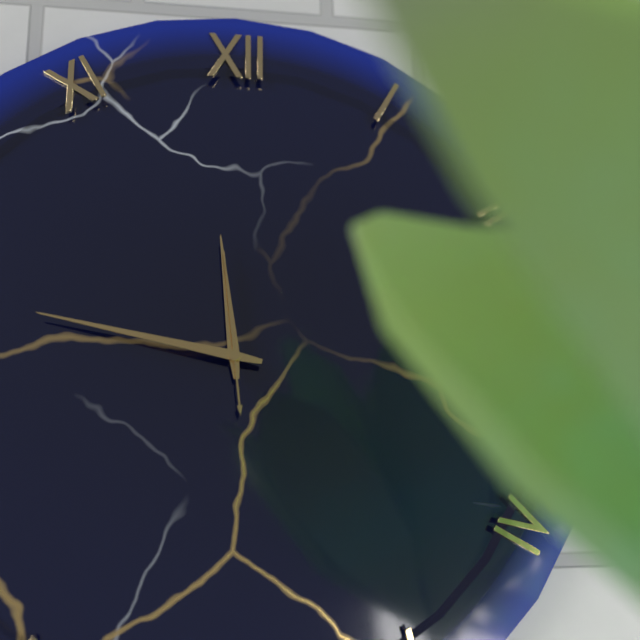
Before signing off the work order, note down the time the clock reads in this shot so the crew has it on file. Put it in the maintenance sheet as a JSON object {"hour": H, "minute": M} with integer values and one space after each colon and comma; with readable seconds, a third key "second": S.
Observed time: {"hour": 11, "minute": 47, "second": 59}
